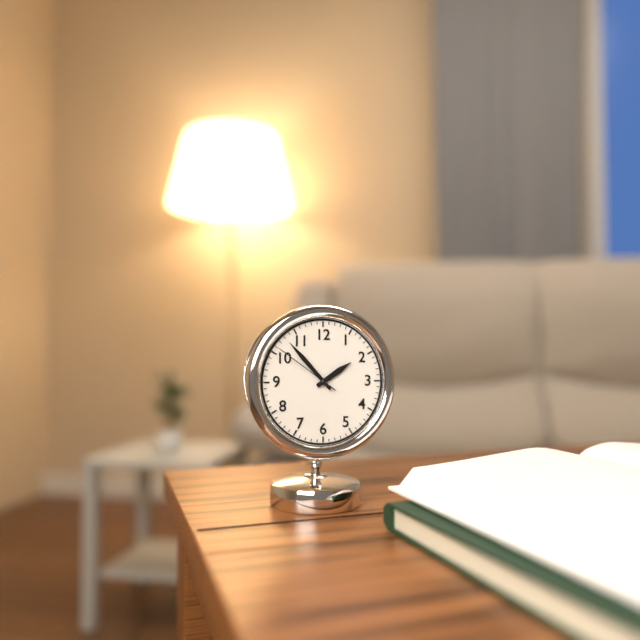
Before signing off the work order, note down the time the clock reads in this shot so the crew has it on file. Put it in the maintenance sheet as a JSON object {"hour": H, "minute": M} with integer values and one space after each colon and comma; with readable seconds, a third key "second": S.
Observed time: {"hour": 1, "minute": 53, "second": 51}
